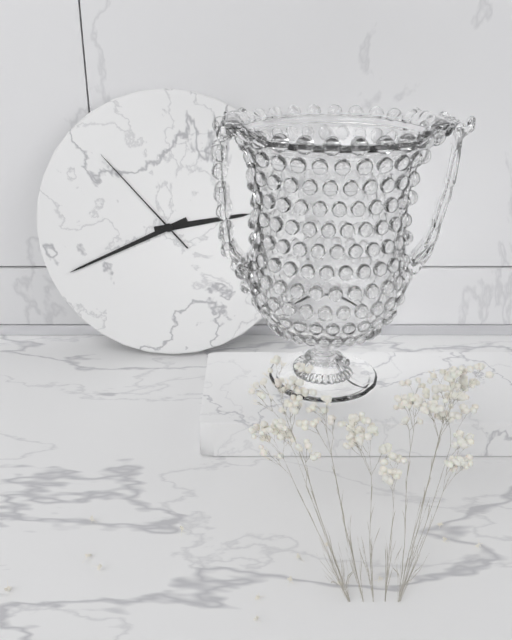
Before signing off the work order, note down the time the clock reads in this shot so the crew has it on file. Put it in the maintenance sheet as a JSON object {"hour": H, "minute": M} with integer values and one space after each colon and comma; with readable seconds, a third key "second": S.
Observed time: {"hour": 2, "minute": 41, "second": 53}
